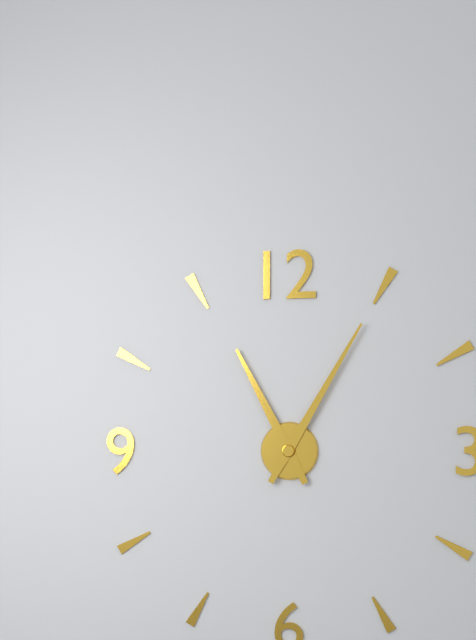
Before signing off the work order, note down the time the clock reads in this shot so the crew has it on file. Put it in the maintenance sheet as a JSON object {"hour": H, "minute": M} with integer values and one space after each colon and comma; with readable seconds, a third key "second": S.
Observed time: {"hour": 11, "minute": 5}
